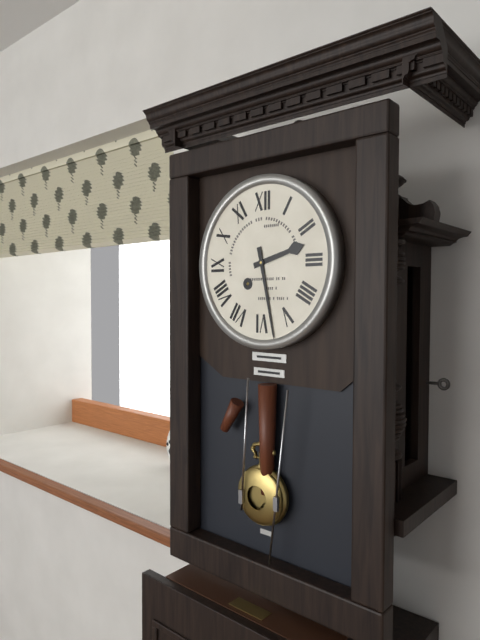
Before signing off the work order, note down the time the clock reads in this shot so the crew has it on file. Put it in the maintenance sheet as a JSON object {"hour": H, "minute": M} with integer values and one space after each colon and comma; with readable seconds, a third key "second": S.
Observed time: {"hour": 2, "minute": 28}
